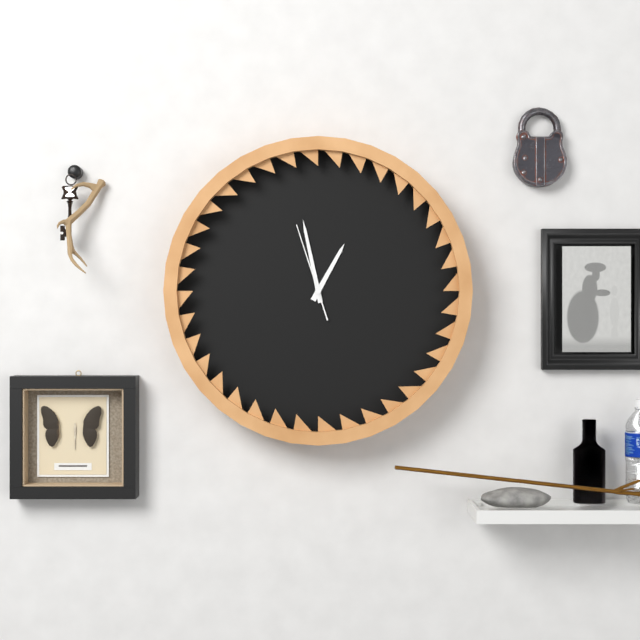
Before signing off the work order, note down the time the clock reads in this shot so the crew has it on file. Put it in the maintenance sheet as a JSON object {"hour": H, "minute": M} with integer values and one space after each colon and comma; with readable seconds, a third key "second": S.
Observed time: {"hour": 12, "minute": 58, "second": 57}
